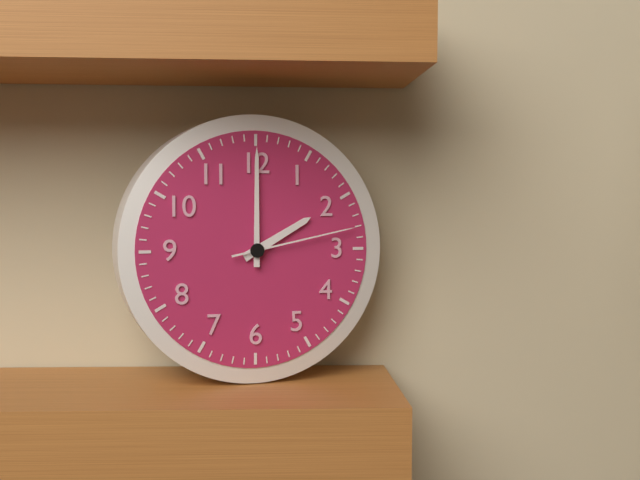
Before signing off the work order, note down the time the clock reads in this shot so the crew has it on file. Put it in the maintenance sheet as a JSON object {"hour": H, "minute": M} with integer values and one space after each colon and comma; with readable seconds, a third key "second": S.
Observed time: {"hour": 2, "minute": 0, "second": 13}
